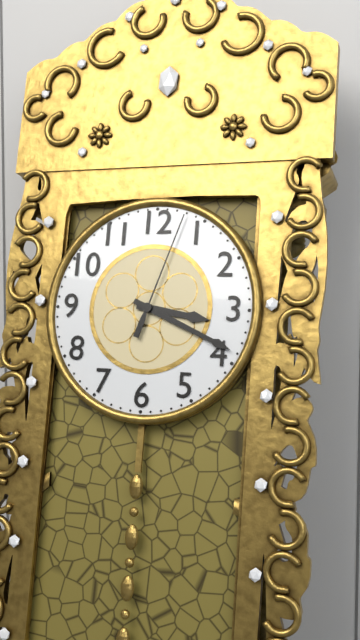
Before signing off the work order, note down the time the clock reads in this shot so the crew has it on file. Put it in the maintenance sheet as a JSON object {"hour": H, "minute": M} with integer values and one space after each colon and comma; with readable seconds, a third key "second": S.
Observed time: {"hour": 3, "minute": 19, "second": 3}
